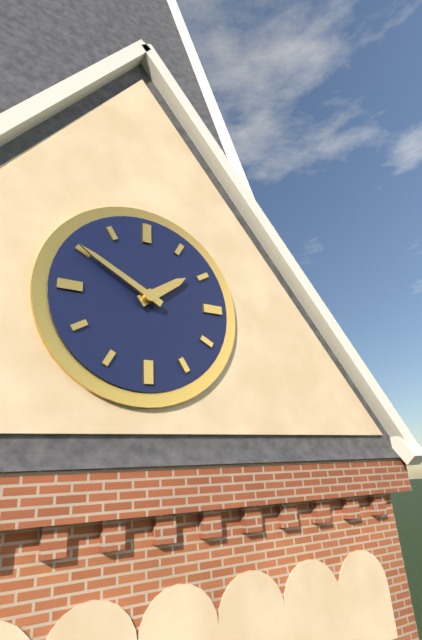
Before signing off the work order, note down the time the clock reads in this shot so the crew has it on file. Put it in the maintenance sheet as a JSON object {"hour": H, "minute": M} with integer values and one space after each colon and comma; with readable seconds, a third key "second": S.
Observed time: {"hour": 1, "minute": 50}
